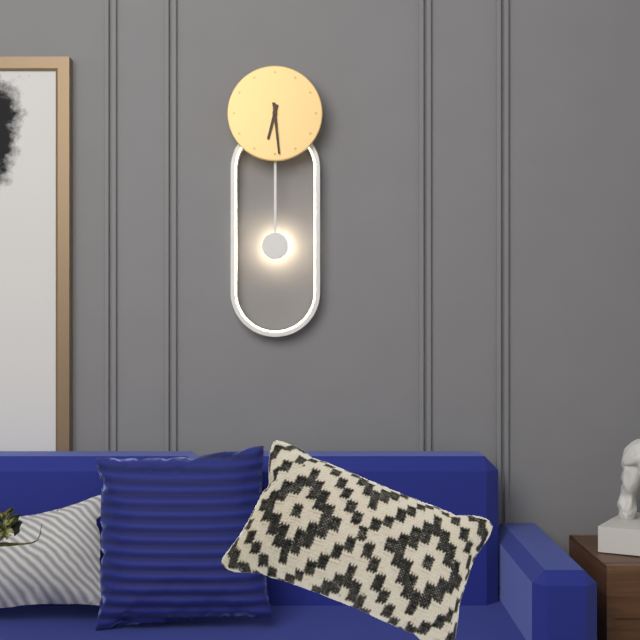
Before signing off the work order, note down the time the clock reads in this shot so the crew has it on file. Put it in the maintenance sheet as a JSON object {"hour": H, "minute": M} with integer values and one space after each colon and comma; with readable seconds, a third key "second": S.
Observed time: {"hour": 6, "minute": 29}
